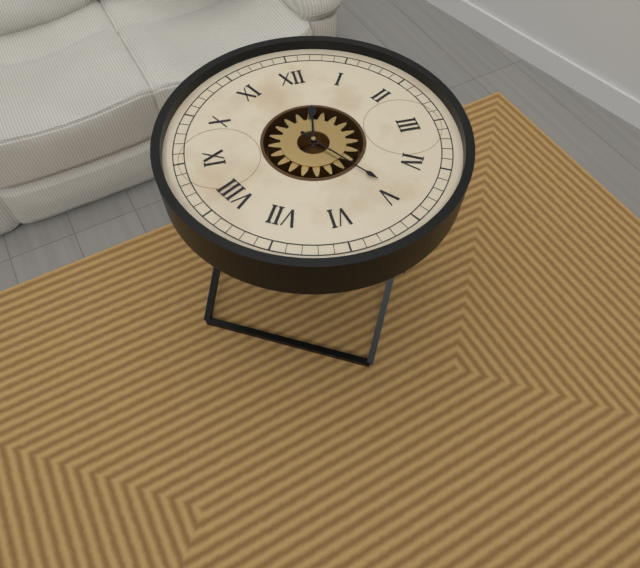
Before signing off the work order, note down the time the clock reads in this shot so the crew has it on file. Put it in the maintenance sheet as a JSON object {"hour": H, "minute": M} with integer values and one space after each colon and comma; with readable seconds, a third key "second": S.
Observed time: {"hour": 12, "minute": 24}
